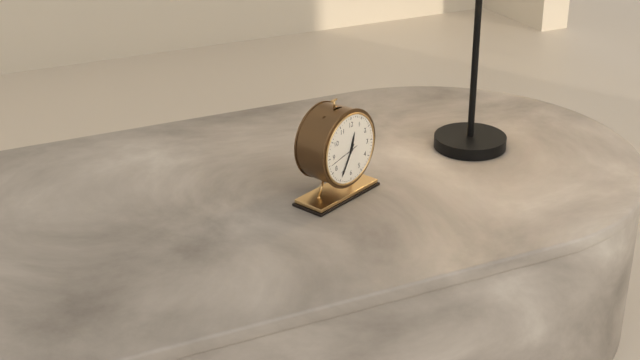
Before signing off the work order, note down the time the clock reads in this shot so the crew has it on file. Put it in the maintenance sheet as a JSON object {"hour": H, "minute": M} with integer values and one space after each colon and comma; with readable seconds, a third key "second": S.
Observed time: {"hour": 12, "minute": 35}
